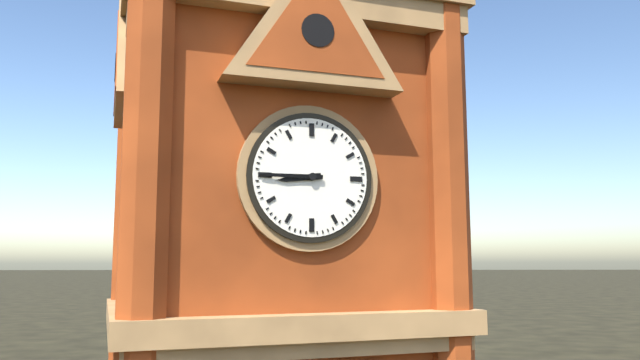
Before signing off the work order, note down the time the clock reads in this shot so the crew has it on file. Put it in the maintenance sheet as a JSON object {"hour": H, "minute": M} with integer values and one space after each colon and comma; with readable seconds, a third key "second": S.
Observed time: {"hour": 8, "minute": 45}
